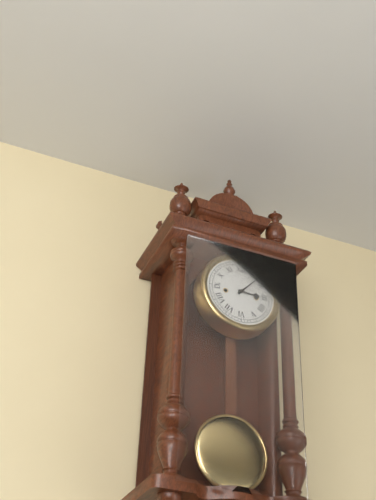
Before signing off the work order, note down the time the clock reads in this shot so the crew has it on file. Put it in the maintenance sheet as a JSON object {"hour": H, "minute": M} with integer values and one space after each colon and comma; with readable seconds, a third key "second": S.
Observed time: {"hour": 3, "minute": 7}
